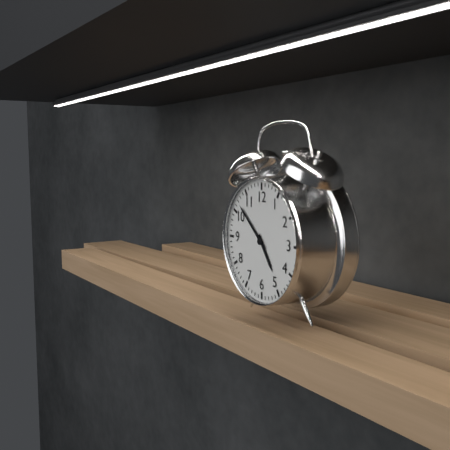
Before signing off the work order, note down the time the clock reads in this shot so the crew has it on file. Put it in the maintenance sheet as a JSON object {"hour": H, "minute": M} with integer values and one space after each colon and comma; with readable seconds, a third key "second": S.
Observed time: {"hour": 4, "minute": 52}
